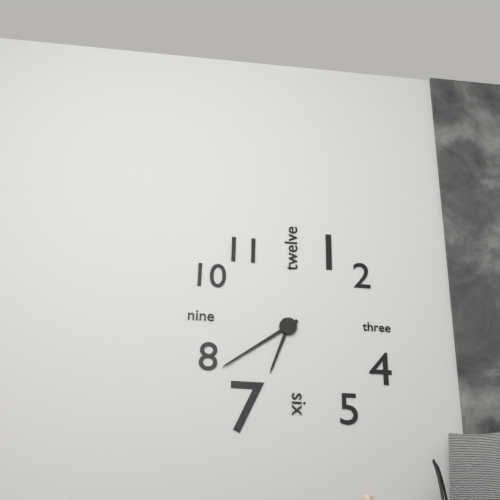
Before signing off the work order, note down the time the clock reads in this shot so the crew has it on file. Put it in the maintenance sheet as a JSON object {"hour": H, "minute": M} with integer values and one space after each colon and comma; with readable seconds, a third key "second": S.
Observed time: {"hour": 6, "minute": 39}
